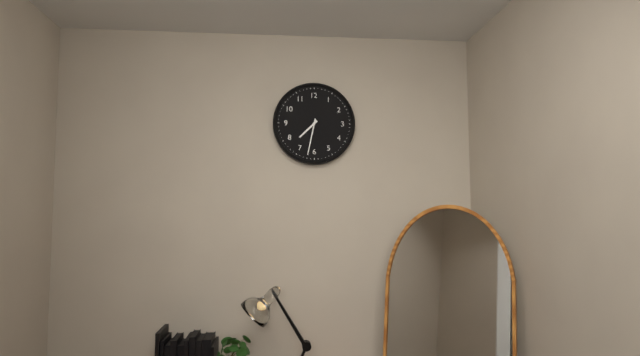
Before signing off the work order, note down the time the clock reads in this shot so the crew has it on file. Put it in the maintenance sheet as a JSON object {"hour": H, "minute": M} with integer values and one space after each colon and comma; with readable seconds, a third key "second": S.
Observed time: {"hour": 7, "minute": 32}
